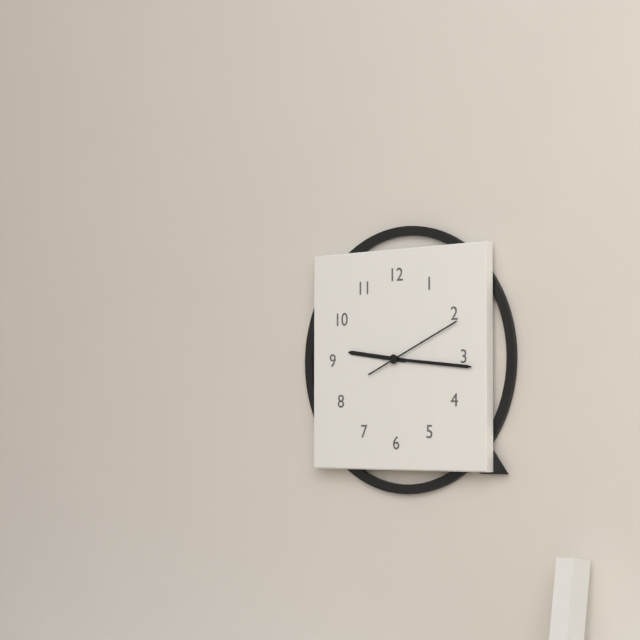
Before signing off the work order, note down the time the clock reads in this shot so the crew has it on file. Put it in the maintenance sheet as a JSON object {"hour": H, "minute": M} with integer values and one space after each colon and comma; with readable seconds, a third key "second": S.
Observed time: {"hour": 9, "minute": 16, "second": 11}
